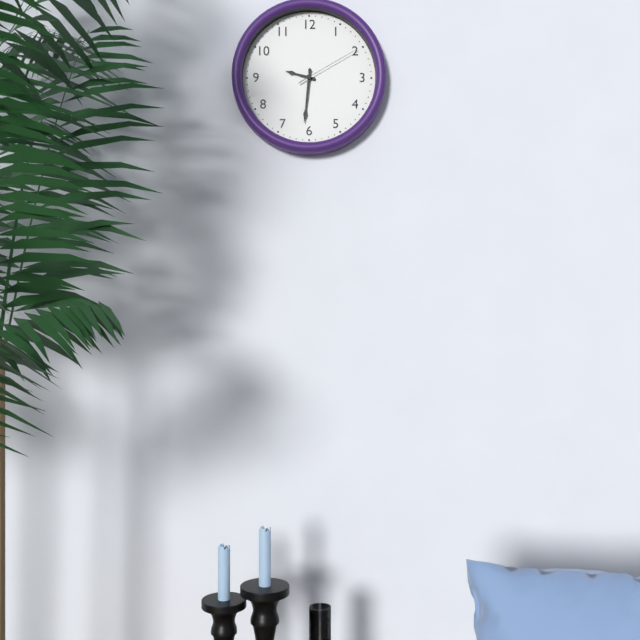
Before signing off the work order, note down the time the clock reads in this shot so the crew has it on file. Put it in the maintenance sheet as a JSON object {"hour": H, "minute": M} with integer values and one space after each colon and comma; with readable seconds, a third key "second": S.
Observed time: {"hour": 9, "minute": 31, "second": 10}
